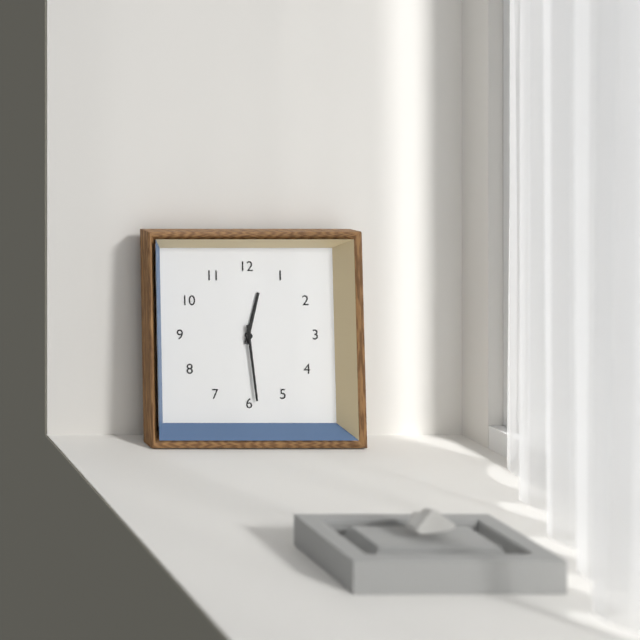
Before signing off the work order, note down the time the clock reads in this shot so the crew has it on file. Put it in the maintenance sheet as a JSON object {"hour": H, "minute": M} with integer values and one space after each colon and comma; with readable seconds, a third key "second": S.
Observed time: {"hour": 12, "minute": 29}
